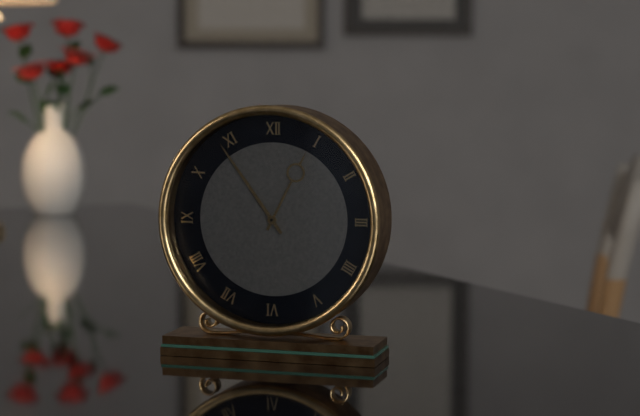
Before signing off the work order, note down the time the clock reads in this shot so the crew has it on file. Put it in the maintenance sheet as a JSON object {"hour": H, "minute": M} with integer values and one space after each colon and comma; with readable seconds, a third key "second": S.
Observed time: {"hour": 12, "minute": 54}
